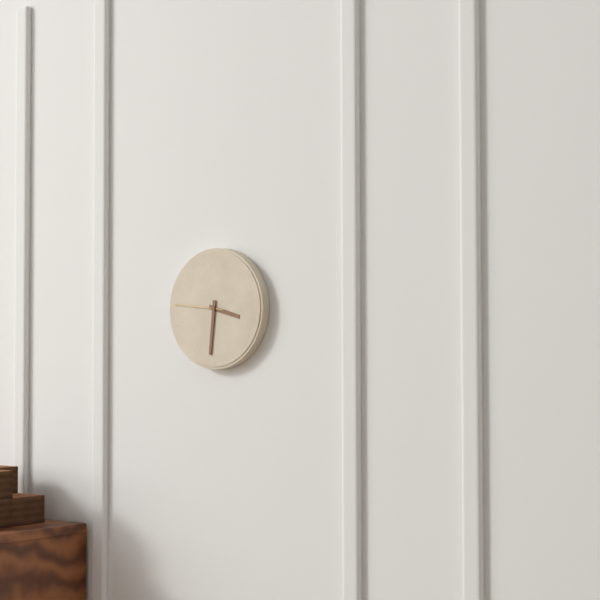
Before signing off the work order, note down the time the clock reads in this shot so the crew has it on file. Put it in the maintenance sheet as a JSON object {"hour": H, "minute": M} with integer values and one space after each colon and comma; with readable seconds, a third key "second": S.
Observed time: {"hour": 3, "minute": 31, "second": 46}
